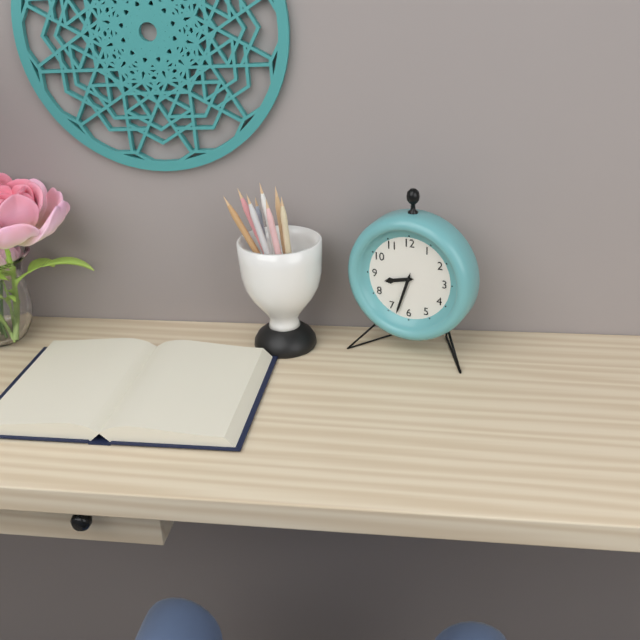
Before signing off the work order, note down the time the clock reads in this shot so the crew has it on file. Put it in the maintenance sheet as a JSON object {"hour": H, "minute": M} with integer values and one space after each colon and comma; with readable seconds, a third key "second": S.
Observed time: {"hour": 8, "minute": 33}
